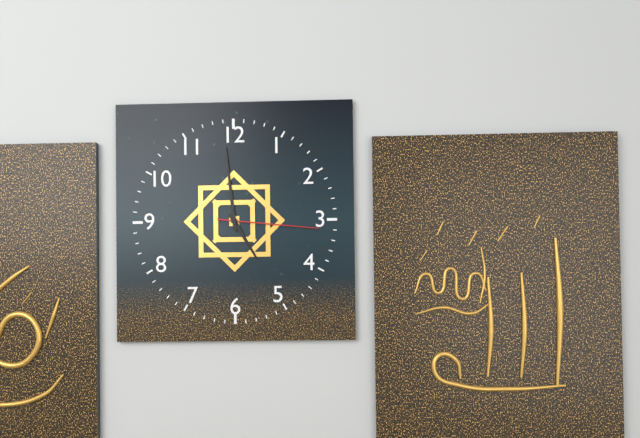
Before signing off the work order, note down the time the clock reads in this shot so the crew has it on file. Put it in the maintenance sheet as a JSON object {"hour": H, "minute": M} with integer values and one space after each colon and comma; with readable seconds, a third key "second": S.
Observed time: {"hour": 4, "minute": 59, "second": 16}
